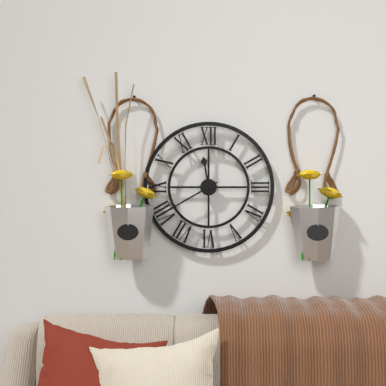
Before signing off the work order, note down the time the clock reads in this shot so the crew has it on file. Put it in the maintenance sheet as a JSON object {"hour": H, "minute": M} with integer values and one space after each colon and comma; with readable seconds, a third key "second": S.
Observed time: {"hour": 11, "minute": 40}
